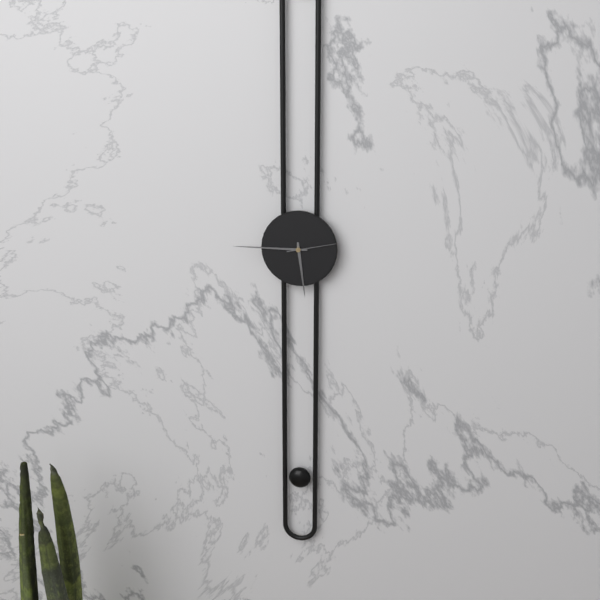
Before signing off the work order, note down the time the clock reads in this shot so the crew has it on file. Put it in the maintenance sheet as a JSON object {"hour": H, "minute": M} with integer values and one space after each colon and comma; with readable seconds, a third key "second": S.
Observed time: {"hour": 5, "minute": 45, "second": 13}
